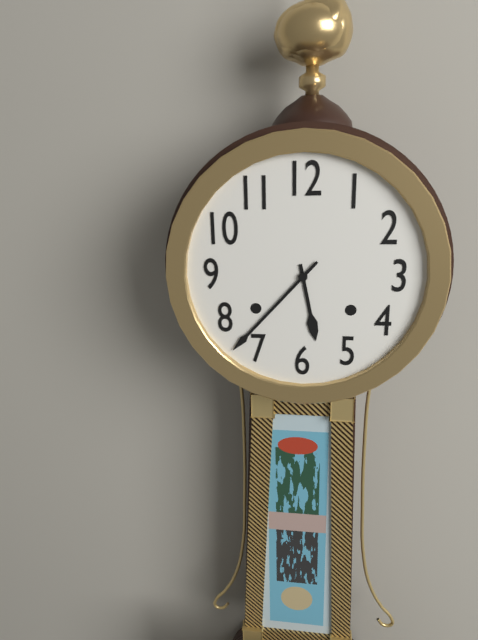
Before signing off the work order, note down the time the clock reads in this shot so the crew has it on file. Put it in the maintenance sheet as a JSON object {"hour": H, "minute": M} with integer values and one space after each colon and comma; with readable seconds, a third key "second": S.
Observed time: {"hour": 5, "minute": 37}
